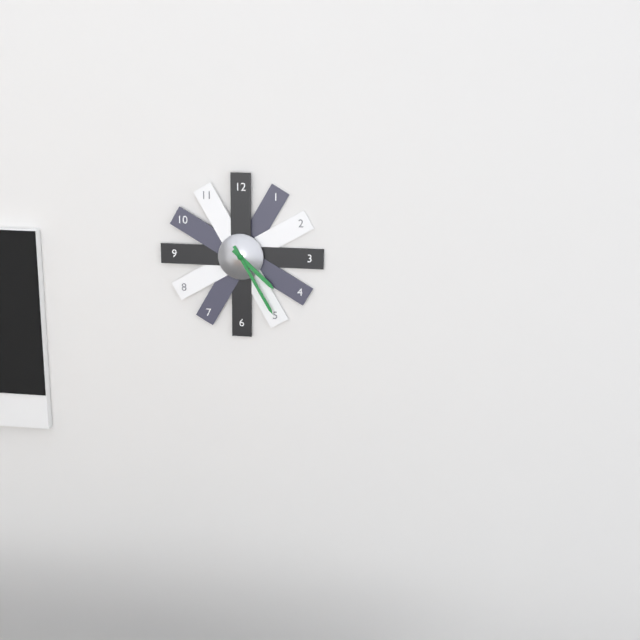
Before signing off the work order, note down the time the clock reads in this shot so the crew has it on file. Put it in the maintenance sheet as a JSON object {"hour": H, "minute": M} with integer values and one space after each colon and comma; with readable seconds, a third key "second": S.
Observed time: {"hour": 4, "minute": 25}
